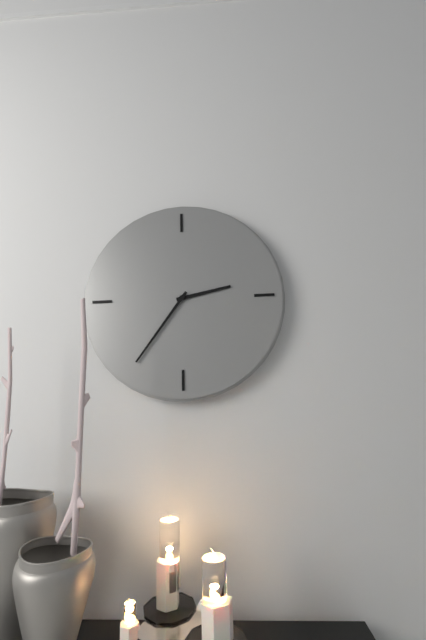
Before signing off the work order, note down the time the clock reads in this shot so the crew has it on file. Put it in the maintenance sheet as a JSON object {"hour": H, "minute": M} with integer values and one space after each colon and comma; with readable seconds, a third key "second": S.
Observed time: {"hour": 2, "minute": 36}
